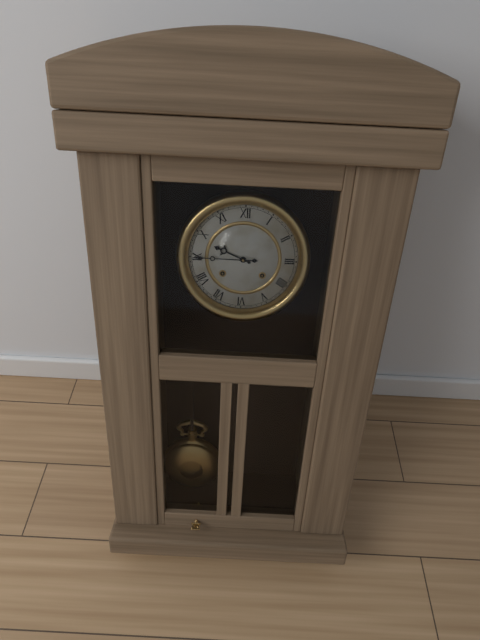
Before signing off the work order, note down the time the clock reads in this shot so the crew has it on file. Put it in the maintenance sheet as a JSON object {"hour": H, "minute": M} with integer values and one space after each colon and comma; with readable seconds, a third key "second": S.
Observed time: {"hour": 9, "minute": 45}
